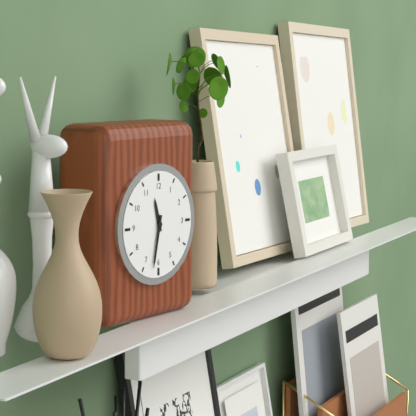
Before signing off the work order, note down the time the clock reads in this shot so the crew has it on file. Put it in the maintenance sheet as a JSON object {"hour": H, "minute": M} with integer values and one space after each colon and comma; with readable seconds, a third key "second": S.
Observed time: {"hour": 11, "minute": 32}
